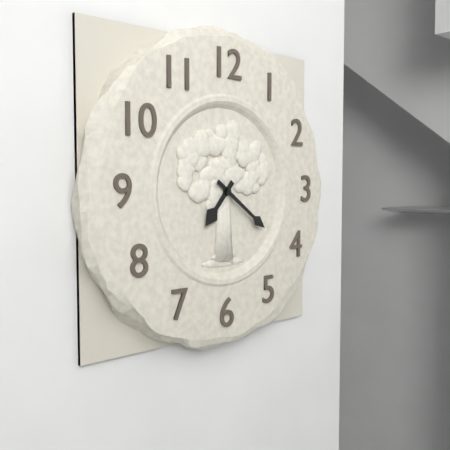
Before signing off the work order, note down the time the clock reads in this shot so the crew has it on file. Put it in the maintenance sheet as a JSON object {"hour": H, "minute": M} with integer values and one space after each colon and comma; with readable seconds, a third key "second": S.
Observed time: {"hour": 7, "minute": 21}
